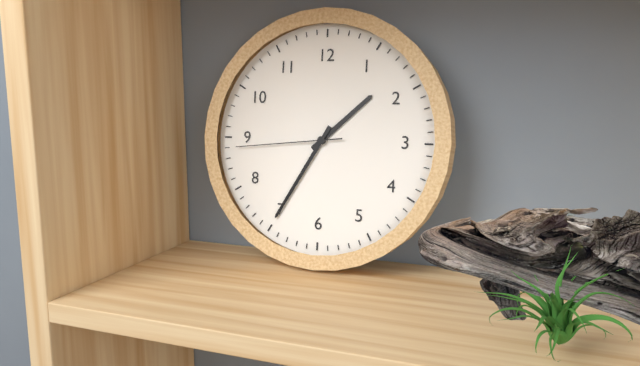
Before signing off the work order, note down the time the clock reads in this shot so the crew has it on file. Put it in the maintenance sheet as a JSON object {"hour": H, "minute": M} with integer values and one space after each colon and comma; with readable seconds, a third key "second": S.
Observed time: {"hour": 1, "minute": 35, "second": 44}
